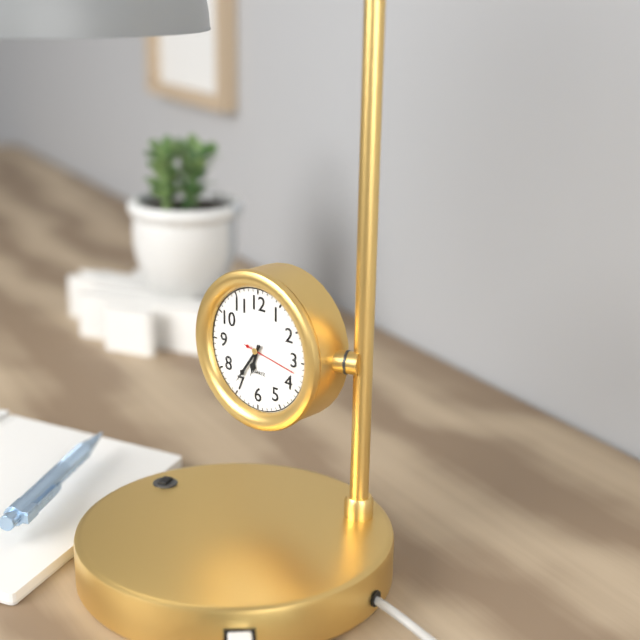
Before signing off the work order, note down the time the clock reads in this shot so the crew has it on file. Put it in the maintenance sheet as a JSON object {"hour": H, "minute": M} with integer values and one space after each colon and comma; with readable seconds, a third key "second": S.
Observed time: {"hour": 6, "minute": 36, "second": 17}
